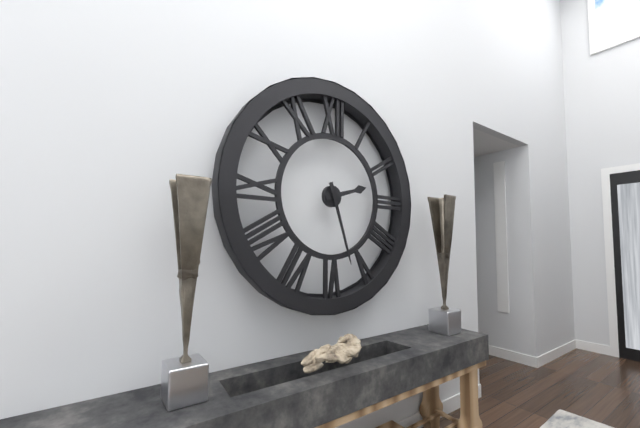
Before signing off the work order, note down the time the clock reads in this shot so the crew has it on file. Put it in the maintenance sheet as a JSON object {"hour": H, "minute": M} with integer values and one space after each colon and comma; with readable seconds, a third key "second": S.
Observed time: {"hour": 2, "minute": 27}
